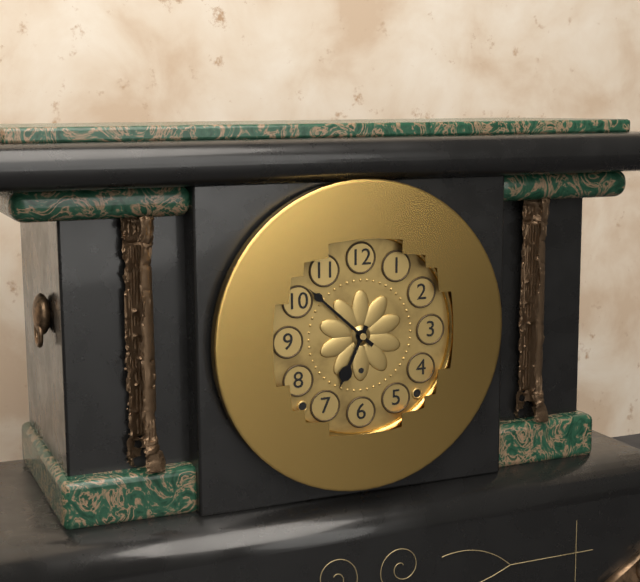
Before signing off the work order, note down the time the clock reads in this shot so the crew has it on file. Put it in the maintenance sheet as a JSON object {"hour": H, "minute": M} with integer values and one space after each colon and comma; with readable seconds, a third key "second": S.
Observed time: {"hour": 6, "minute": 52}
